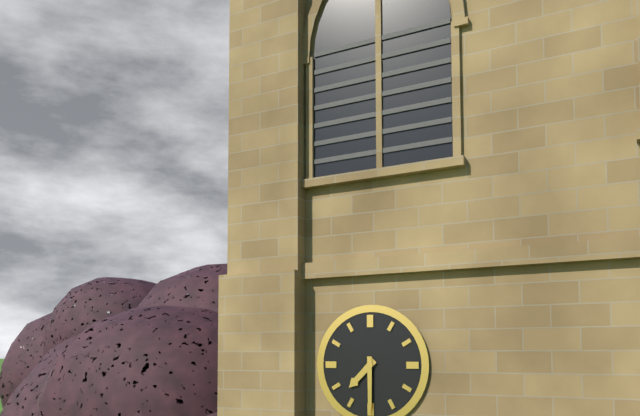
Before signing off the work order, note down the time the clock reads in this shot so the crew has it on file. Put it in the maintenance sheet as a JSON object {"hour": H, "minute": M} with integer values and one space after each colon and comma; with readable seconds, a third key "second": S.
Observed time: {"hour": 7, "minute": 30}
